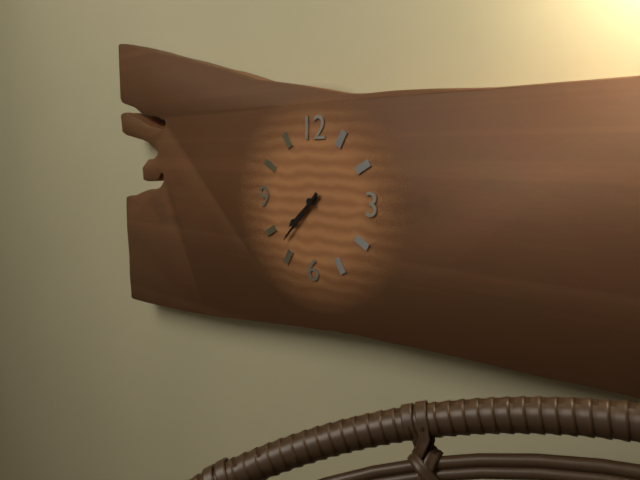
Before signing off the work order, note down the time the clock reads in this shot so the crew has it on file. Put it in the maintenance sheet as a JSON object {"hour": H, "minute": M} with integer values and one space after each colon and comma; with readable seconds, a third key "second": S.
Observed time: {"hour": 7, "minute": 37}
